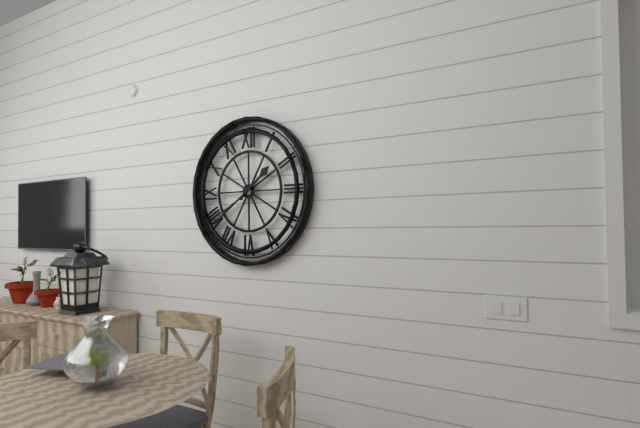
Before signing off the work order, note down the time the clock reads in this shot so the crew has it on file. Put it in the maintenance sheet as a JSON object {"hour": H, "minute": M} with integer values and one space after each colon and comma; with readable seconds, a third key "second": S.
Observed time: {"hour": 1, "minute": 39}
